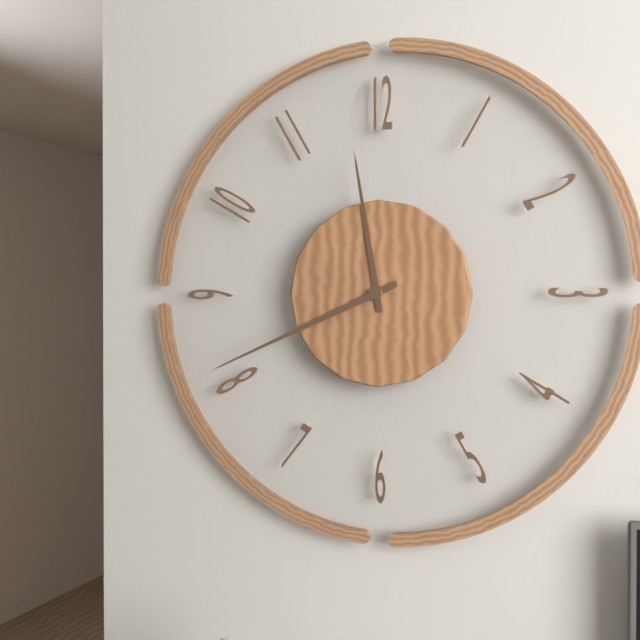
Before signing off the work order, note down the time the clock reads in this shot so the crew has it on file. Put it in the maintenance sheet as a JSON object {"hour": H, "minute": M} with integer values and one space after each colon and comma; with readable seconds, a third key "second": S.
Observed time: {"hour": 11, "minute": 41}
